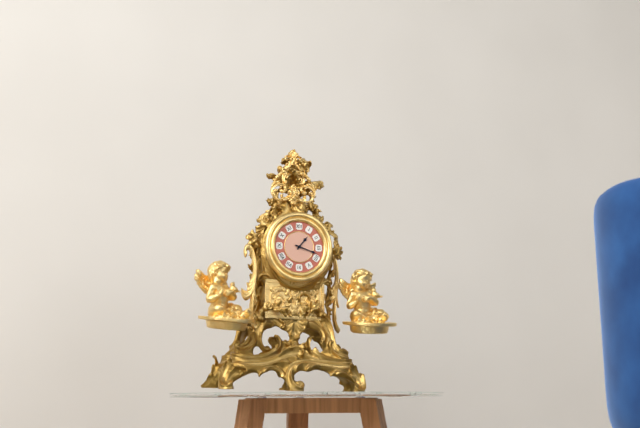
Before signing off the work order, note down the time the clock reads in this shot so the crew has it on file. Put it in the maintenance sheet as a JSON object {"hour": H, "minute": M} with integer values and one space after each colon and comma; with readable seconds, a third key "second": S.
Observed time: {"hour": 1, "minute": 18}
